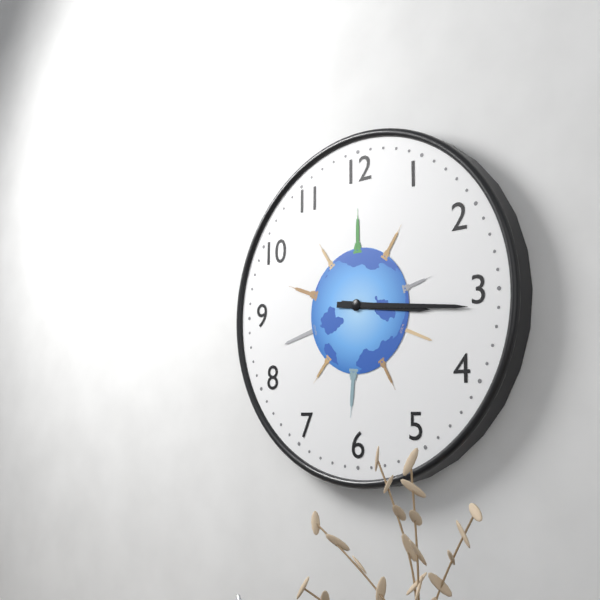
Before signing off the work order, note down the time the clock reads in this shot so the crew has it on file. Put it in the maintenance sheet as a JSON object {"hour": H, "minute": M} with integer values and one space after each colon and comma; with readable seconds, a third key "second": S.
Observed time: {"hour": 3, "minute": 16}
